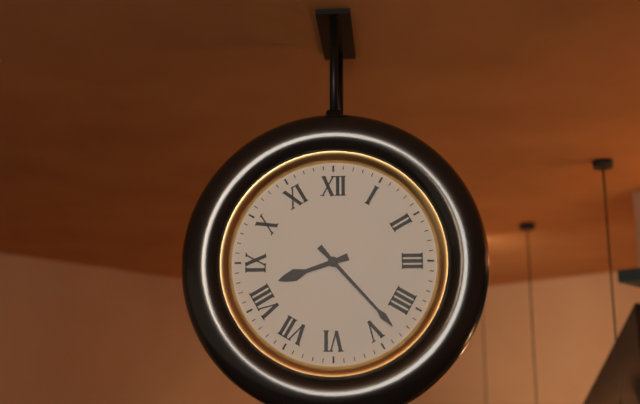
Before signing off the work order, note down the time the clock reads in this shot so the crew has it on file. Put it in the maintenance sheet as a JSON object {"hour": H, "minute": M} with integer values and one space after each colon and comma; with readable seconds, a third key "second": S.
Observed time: {"hour": 8, "minute": 23}
